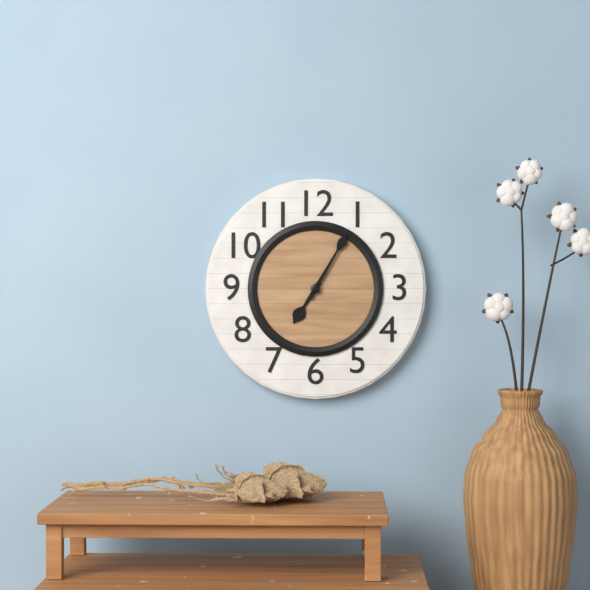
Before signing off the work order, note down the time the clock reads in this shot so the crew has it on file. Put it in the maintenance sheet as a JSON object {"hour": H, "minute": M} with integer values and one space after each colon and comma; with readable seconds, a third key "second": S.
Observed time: {"hour": 7, "minute": 5}
